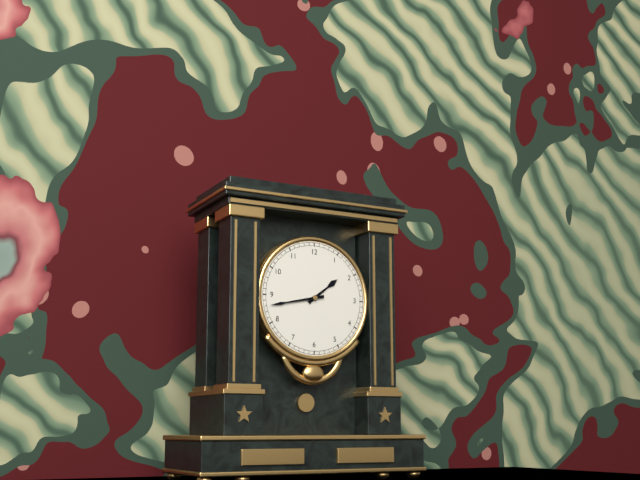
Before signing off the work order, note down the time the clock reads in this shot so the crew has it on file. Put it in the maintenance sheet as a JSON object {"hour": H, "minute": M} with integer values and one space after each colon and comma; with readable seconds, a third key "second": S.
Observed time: {"hour": 1, "minute": 43}
